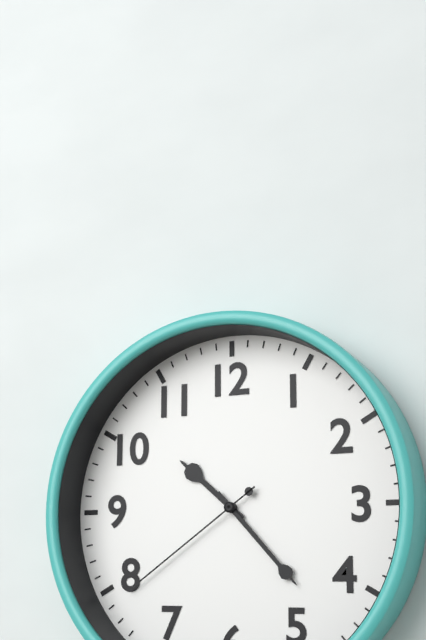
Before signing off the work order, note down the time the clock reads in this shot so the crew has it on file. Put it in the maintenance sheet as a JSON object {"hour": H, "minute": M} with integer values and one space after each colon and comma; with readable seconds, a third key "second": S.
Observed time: {"hour": 10, "minute": 23, "second": 39}
